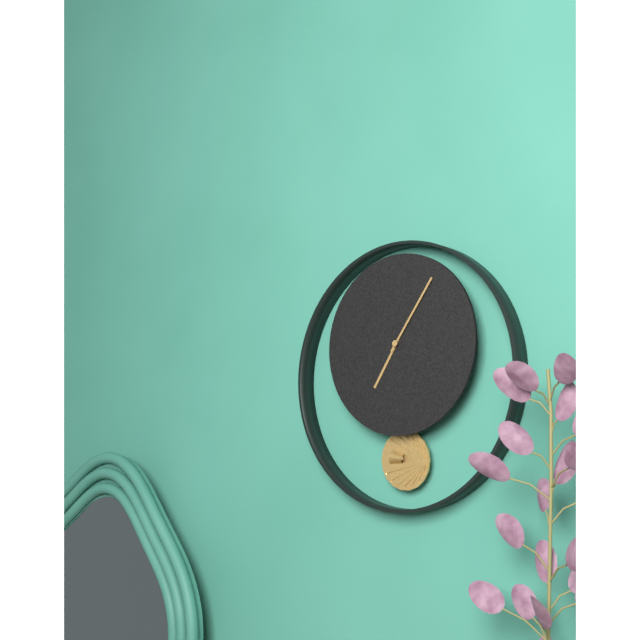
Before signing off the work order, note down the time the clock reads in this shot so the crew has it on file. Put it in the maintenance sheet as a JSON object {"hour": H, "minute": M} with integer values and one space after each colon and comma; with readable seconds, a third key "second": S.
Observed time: {"hour": 7, "minute": 6}
